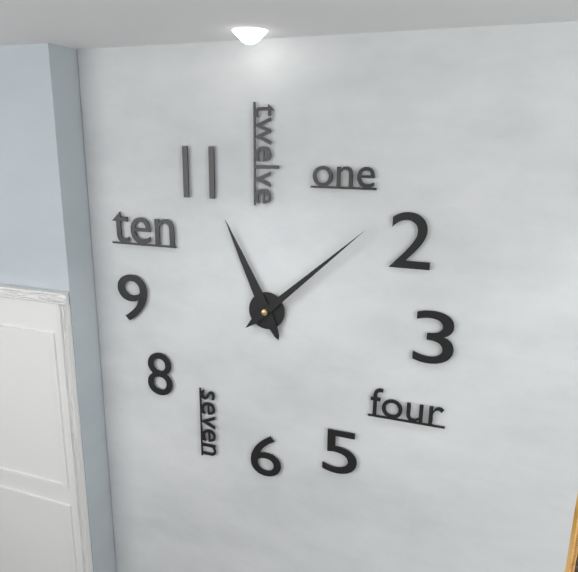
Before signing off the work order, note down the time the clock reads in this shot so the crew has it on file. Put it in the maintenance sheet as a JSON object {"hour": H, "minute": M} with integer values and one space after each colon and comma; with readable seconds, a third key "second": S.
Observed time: {"hour": 11, "minute": 8}
